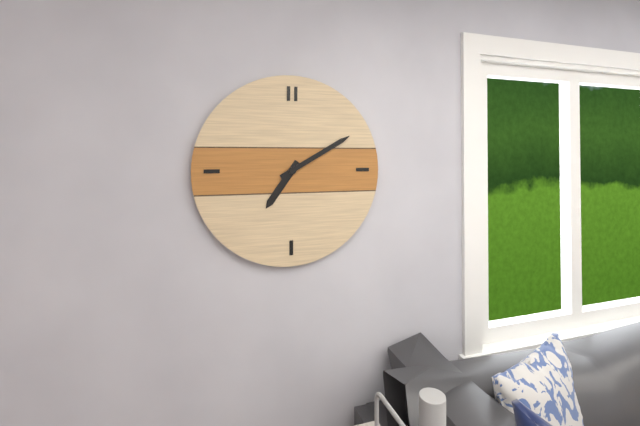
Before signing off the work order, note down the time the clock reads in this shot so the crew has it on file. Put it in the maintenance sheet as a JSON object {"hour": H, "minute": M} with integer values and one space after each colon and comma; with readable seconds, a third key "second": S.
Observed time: {"hour": 7, "minute": 10}
